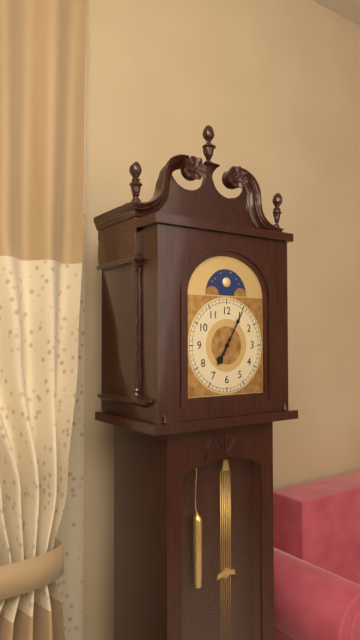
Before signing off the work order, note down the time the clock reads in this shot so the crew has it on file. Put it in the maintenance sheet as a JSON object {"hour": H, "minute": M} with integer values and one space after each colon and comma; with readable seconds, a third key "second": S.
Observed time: {"hour": 7, "minute": 5}
